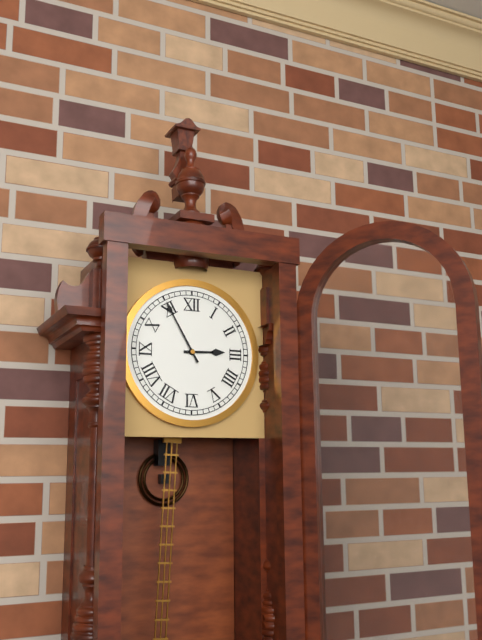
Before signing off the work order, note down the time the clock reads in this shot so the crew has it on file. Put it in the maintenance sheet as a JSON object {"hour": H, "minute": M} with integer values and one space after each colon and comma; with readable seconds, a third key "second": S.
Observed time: {"hour": 2, "minute": 55}
